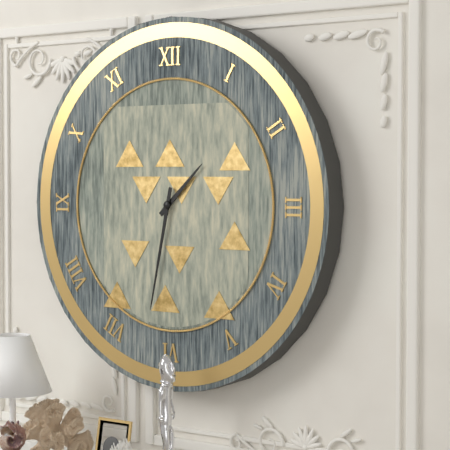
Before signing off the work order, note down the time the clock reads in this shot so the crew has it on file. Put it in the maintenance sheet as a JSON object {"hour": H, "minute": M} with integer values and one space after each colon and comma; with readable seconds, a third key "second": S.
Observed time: {"hour": 1, "minute": 32}
